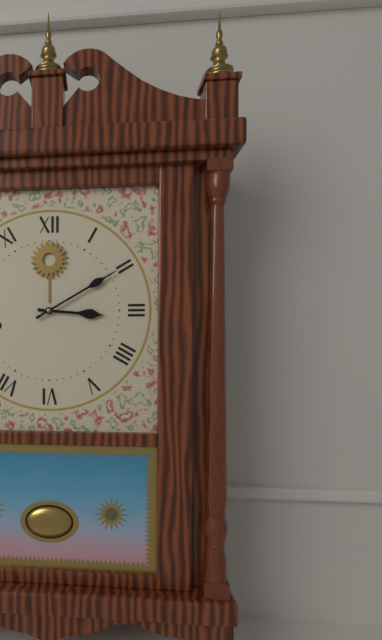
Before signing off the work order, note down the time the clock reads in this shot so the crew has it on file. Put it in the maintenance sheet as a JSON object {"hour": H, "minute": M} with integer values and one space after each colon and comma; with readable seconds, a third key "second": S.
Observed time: {"hour": 3, "minute": 10}
